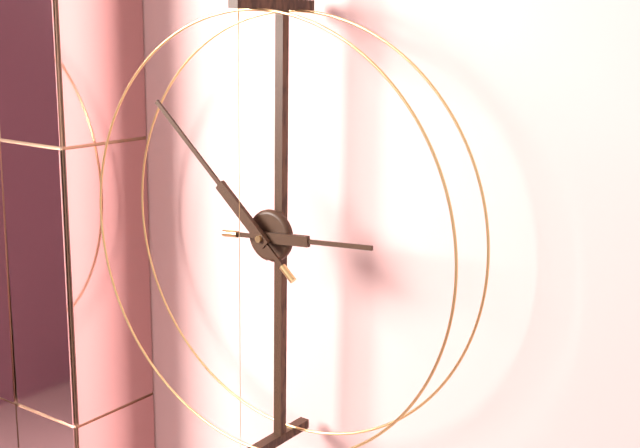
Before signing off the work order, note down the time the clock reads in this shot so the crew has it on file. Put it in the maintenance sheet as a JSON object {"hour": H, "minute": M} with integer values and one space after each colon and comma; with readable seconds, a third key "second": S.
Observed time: {"hour": 2, "minute": 52}
